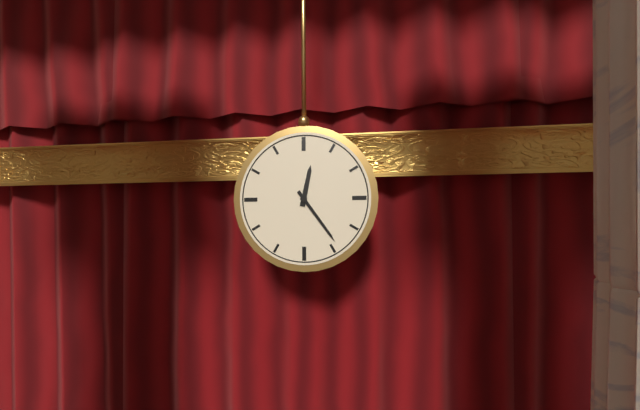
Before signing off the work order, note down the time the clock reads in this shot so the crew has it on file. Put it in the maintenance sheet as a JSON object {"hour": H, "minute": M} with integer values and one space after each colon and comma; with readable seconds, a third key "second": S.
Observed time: {"hour": 12, "minute": 24}
